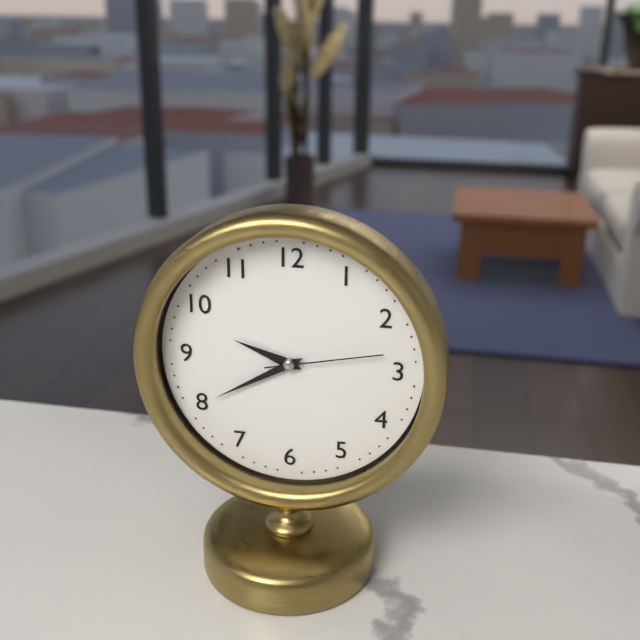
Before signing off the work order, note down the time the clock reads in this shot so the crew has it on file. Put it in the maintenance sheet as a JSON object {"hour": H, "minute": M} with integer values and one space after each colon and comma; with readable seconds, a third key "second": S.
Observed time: {"hour": 9, "minute": 40, "second": 13}
